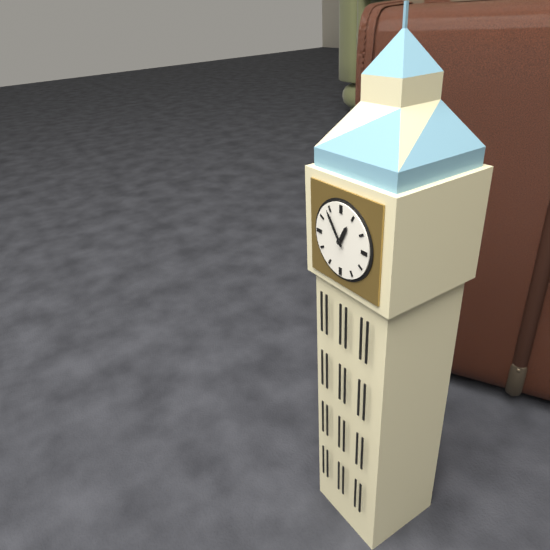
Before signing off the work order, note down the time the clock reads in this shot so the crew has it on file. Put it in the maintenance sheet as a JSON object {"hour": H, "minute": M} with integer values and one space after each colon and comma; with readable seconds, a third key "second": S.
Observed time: {"hour": 12, "minute": 54}
